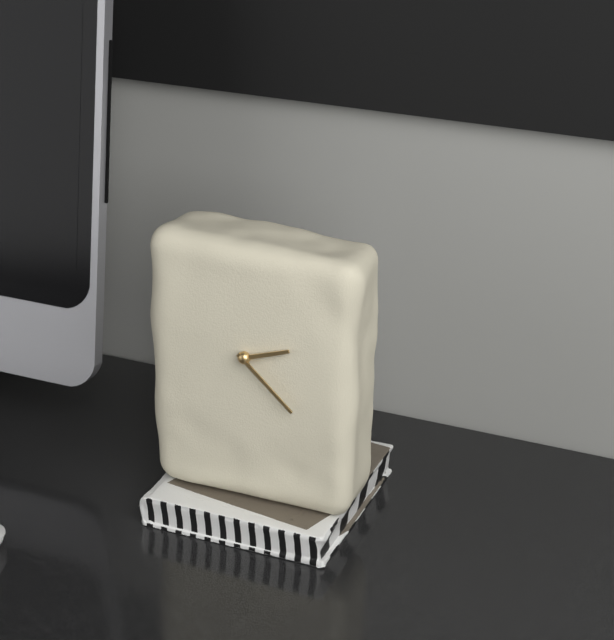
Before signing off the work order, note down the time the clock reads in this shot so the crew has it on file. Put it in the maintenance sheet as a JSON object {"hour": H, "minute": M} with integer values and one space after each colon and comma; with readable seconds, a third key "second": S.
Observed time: {"hour": 2, "minute": 22}
